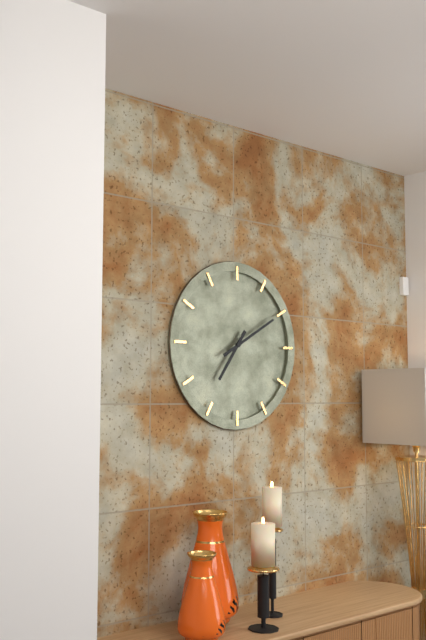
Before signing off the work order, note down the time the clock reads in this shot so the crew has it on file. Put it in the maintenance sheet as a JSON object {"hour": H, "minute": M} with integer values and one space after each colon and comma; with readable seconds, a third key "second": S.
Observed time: {"hour": 7, "minute": 10}
